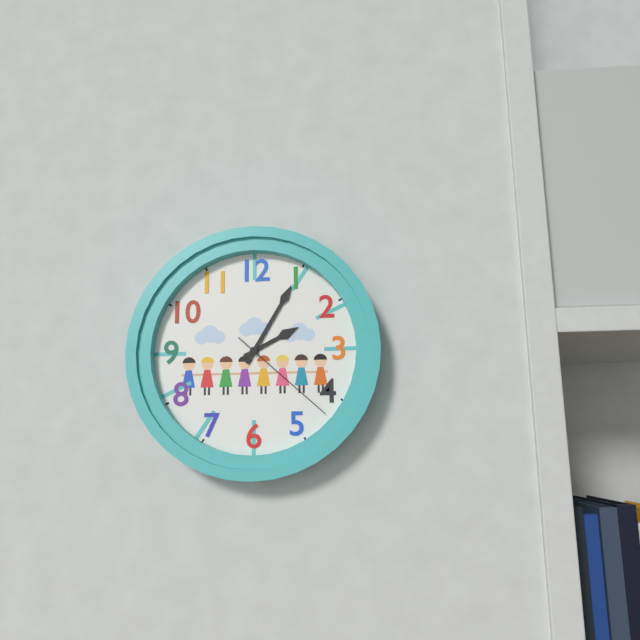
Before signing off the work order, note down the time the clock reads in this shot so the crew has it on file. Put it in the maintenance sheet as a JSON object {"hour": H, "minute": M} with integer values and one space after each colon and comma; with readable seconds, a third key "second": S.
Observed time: {"hour": 2, "minute": 5, "second": 22}
